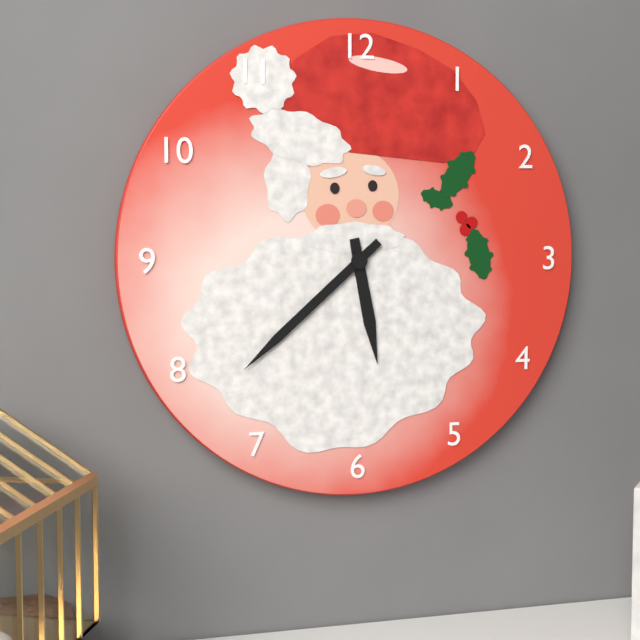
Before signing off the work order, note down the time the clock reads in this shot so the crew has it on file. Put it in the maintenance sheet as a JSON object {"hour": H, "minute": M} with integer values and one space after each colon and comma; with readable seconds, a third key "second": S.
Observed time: {"hour": 5, "minute": 38}
